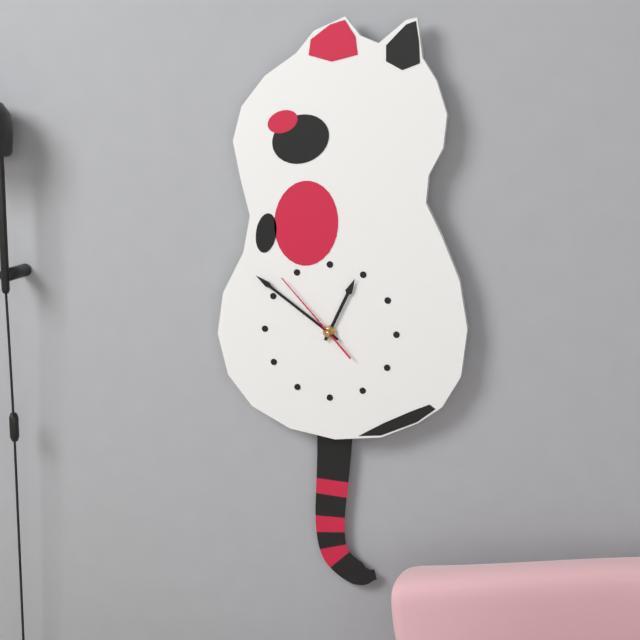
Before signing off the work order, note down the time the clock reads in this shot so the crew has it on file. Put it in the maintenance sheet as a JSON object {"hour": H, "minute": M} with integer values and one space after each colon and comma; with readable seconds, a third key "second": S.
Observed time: {"hour": 12, "minute": 51, "second": 53}
